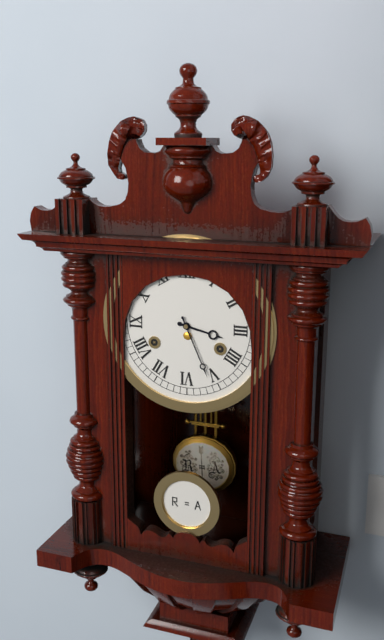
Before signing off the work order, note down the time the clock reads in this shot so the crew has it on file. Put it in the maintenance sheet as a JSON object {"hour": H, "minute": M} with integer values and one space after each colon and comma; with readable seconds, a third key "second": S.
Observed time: {"hour": 3, "minute": 26}
